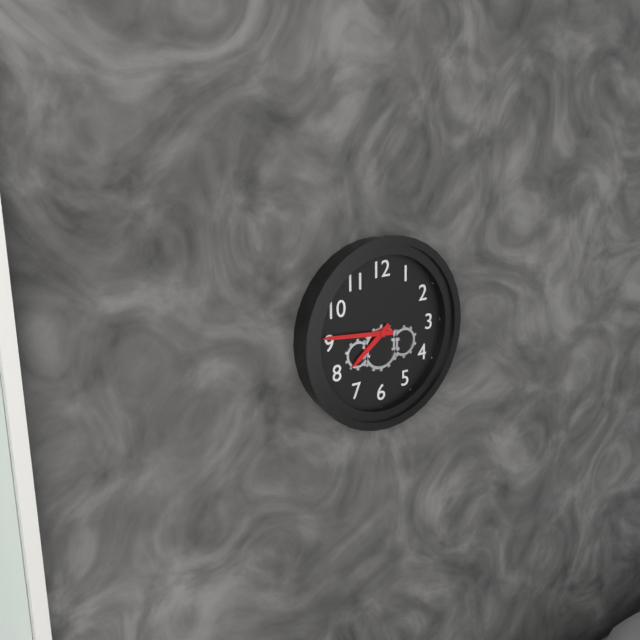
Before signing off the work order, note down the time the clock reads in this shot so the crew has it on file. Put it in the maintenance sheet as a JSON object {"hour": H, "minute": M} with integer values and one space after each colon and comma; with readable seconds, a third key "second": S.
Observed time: {"hour": 7, "minute": 46}
